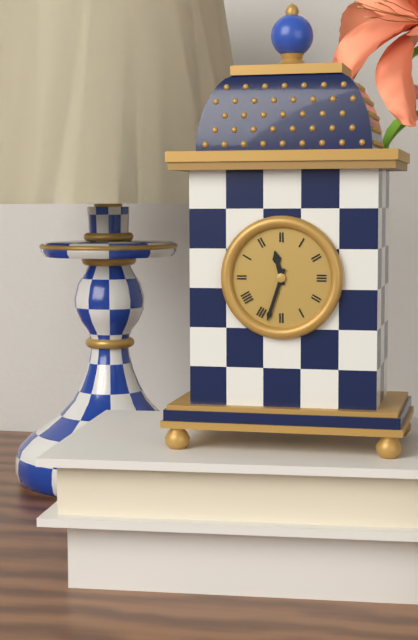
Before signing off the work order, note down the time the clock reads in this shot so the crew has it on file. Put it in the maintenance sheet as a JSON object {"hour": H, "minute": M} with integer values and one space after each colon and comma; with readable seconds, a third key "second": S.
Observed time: {"hour": 11, "minute": 33}
